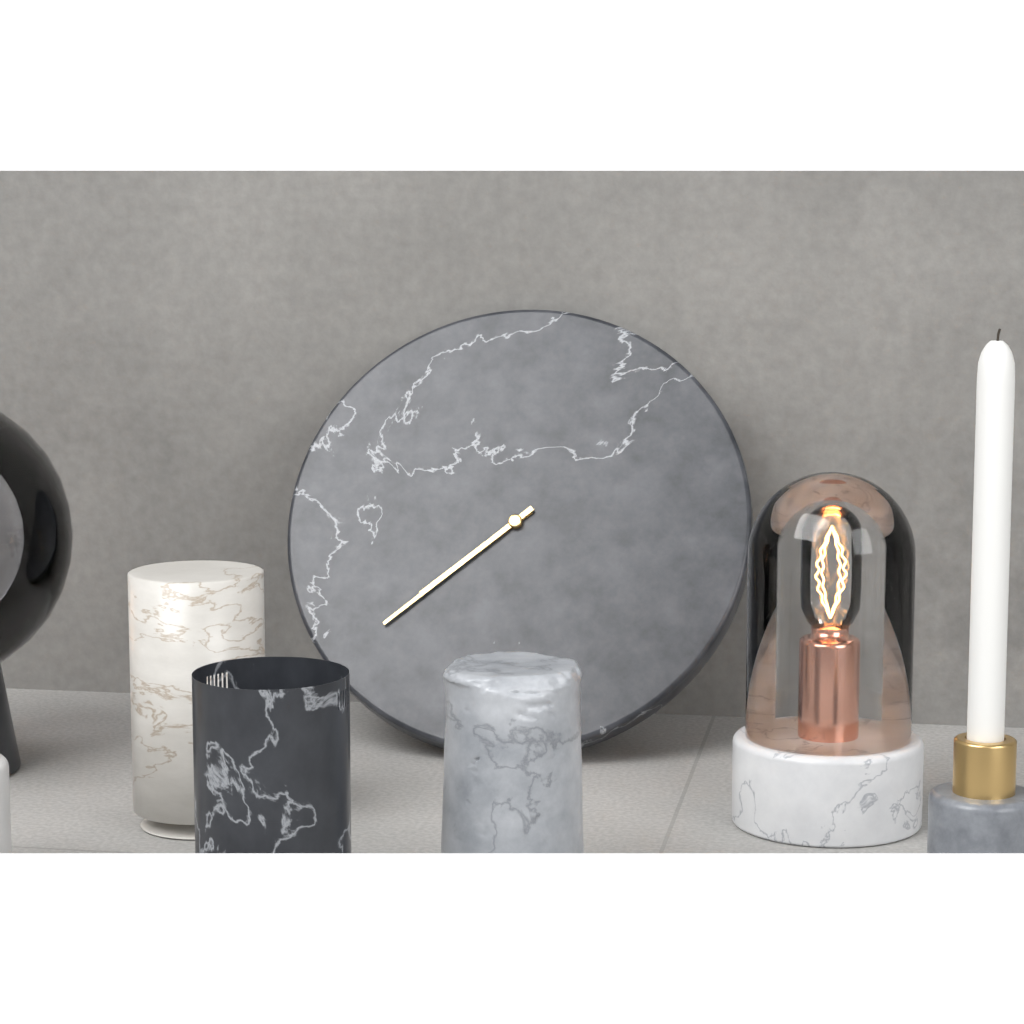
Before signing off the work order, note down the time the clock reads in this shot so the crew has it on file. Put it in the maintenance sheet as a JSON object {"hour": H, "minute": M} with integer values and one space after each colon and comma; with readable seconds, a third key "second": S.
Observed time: {"hour": 7, "minute": 38}
